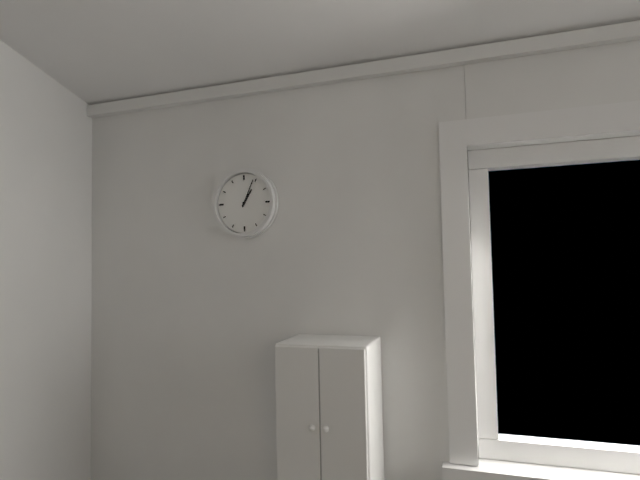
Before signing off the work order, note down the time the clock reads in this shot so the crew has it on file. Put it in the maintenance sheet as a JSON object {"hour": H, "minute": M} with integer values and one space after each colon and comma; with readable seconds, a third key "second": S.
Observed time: {"hour": 1, "minute": 4}
